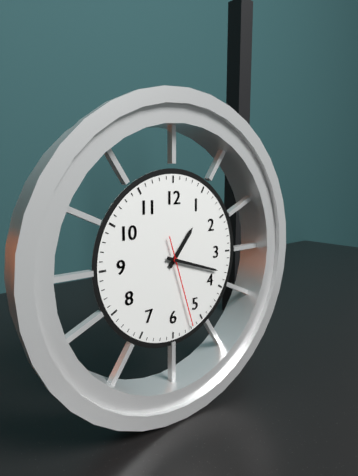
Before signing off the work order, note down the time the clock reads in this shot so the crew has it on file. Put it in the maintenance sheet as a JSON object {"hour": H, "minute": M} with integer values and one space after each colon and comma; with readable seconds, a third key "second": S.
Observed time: {"hour": 1, "minute": 18, "second": 27}
